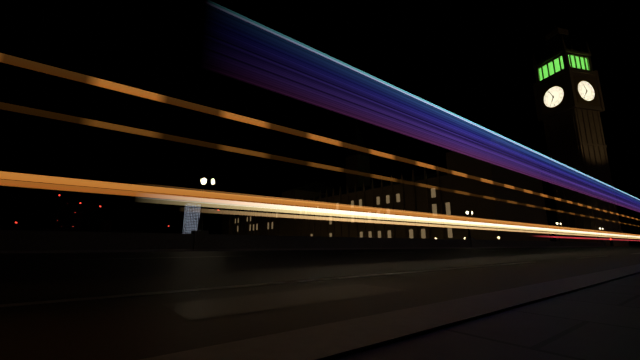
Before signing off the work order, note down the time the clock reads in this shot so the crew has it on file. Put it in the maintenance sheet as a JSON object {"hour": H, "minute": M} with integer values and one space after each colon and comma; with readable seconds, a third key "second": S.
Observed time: {"hour": 6, "minute": 56}
